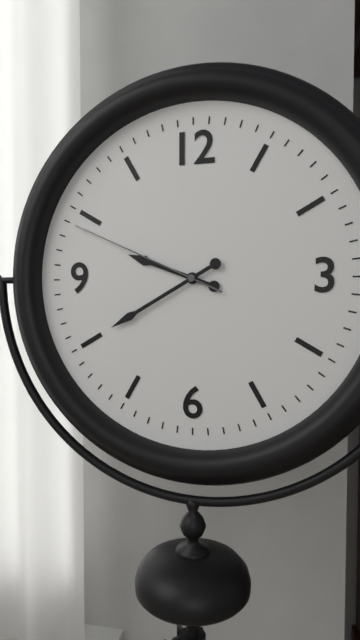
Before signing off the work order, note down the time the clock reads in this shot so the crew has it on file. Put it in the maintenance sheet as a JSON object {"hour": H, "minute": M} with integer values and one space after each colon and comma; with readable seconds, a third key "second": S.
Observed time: {"hour": 9, "minute": 40, "second": 49}
